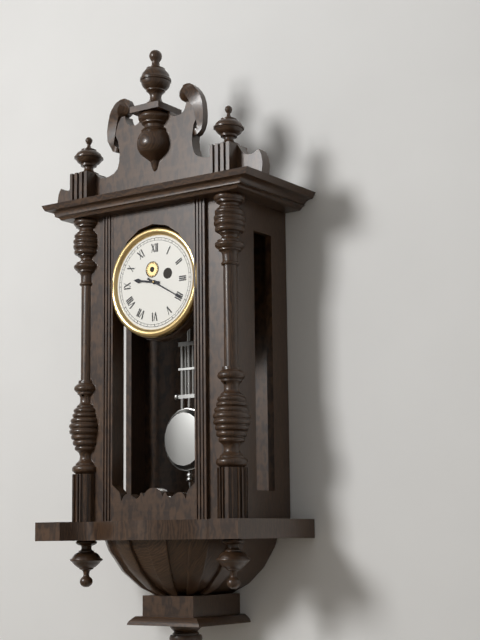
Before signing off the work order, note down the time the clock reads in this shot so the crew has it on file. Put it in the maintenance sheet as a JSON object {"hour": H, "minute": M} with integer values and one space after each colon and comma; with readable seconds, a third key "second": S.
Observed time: {"hour": 9, "minute": 20}
